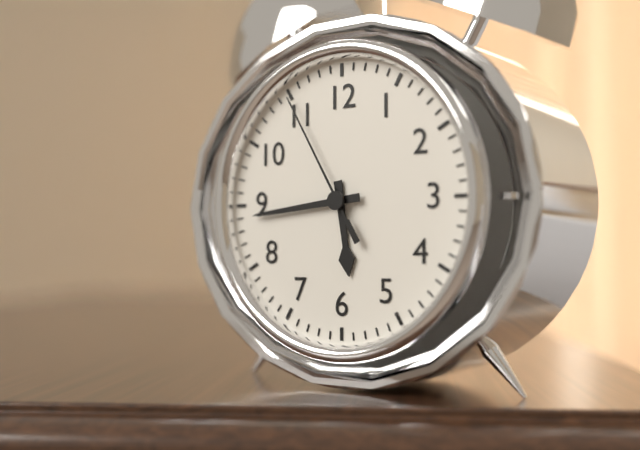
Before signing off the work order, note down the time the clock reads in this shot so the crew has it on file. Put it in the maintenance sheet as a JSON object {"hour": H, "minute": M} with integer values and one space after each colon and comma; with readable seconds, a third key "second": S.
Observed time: {"hour": 5, "minute": 44, "second": 55}
